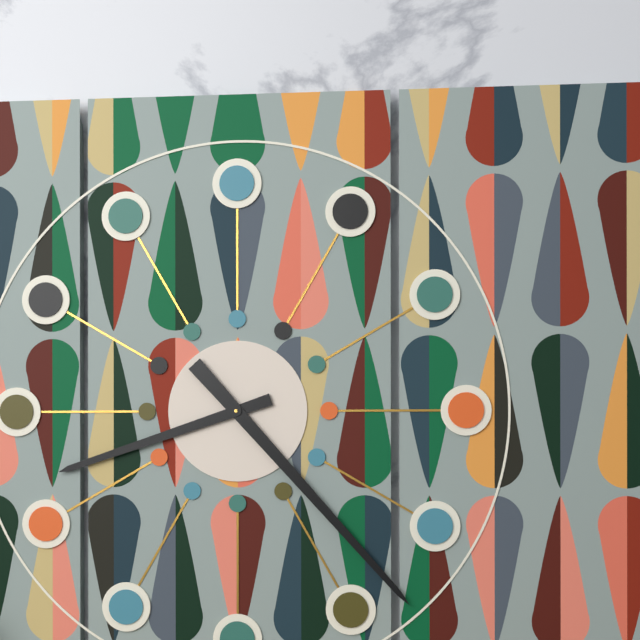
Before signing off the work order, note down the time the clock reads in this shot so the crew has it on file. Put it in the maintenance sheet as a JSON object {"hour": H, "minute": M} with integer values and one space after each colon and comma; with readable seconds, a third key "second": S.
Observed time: {"hour": 8, "minute": 23}
